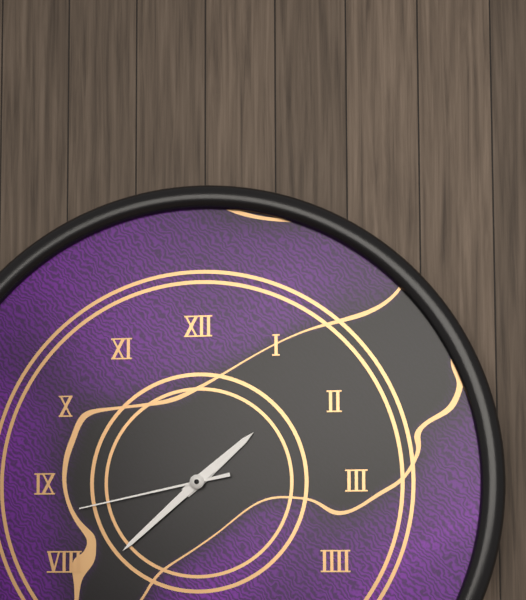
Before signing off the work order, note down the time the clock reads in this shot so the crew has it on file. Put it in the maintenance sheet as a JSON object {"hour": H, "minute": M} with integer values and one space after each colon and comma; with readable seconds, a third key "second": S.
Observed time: {"hour": 1, "minute": 38, "second": 43}
